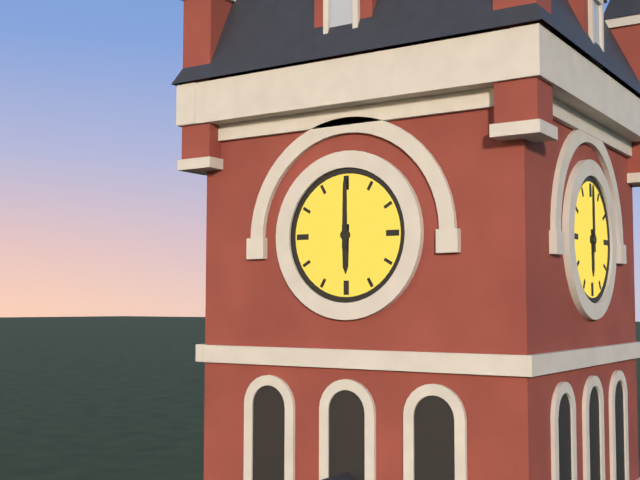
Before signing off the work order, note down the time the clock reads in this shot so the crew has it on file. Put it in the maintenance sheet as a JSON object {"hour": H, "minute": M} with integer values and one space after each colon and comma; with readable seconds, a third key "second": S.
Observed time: {"hour": 6, "minute": 0}
